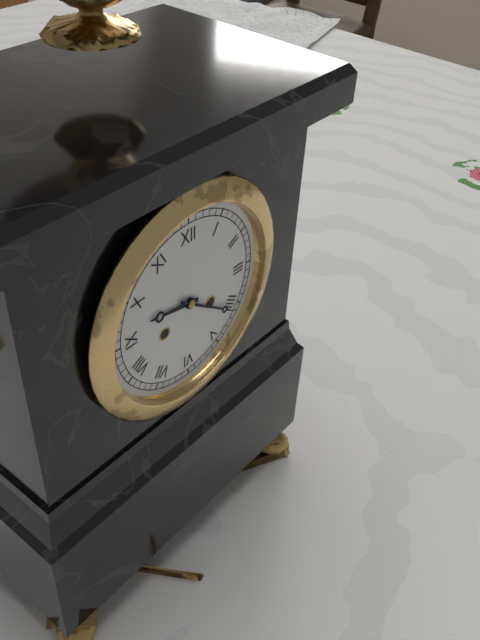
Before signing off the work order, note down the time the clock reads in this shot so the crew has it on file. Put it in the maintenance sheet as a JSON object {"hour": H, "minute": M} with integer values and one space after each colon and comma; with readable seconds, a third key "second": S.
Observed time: {"hour": 9, "minute": 21}
